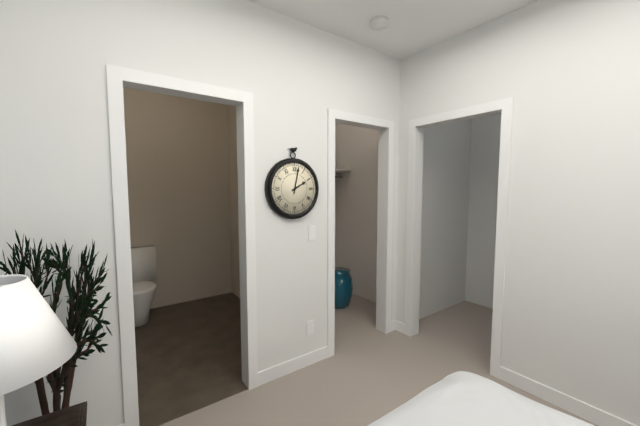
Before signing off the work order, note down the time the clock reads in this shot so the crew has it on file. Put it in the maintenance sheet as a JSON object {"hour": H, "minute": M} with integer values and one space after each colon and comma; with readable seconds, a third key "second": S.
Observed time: {"hour": 2, "minute": 2}
